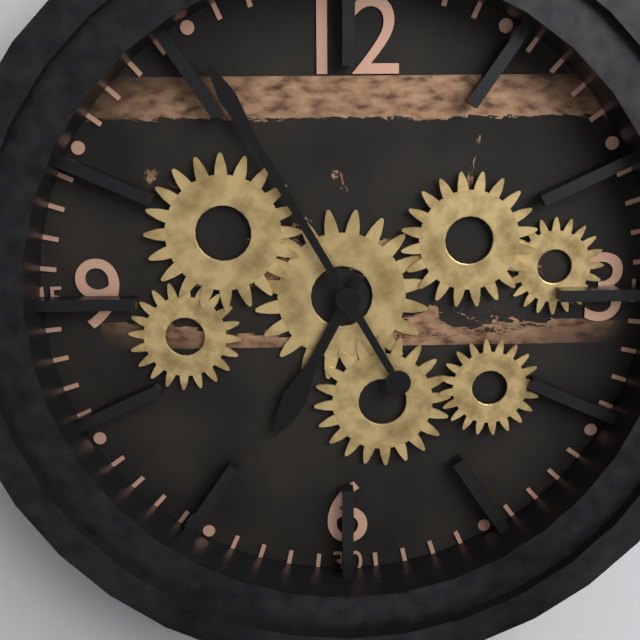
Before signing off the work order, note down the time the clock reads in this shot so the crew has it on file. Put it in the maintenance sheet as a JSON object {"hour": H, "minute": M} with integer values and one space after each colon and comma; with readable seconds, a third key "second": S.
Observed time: {"hour": 6, "minute": 55}
